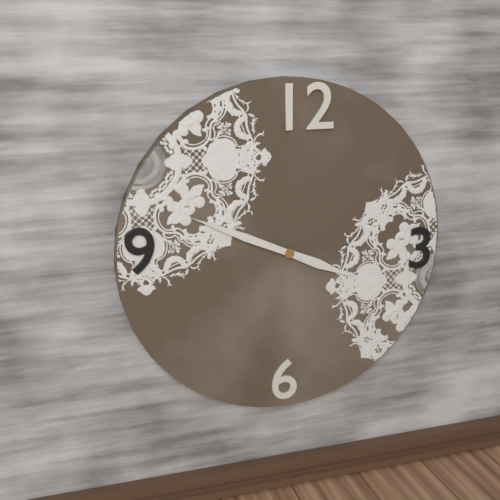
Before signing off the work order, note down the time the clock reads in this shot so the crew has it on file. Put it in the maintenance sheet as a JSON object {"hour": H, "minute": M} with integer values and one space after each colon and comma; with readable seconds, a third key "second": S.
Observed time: {"hour": 3, "minute": 49}
